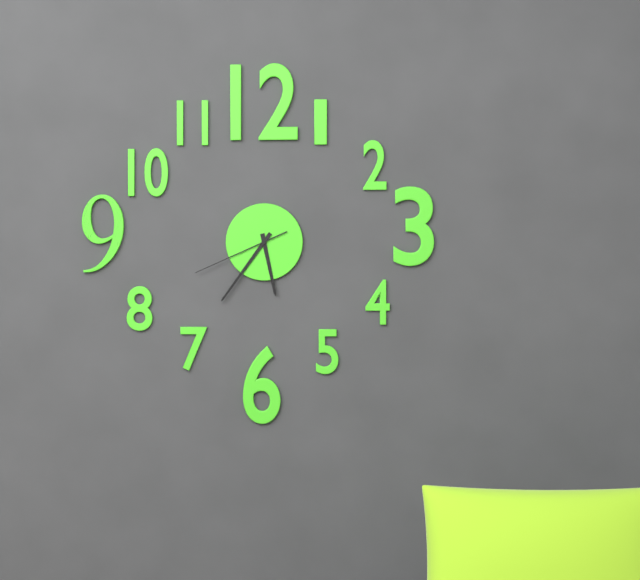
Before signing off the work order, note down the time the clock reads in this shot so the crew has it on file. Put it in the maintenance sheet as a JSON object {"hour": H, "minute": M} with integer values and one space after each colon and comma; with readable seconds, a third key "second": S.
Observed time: {"hour": 5, "minute": 36, "second": 41}
